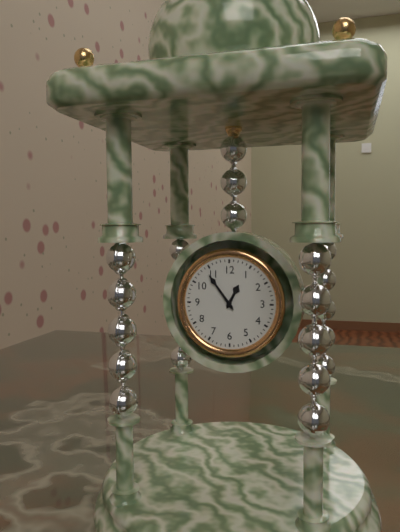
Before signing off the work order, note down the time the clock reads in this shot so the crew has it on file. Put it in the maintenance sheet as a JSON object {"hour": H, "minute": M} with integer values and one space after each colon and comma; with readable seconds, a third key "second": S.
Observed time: {"hour": 12, "minute": 54}
